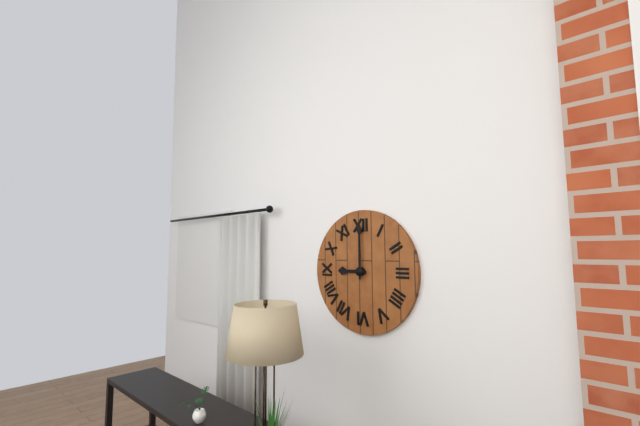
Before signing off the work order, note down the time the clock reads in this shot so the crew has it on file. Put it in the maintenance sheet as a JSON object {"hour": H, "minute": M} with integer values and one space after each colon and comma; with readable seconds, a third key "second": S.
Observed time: {"hour": 9, "minute": 0}
